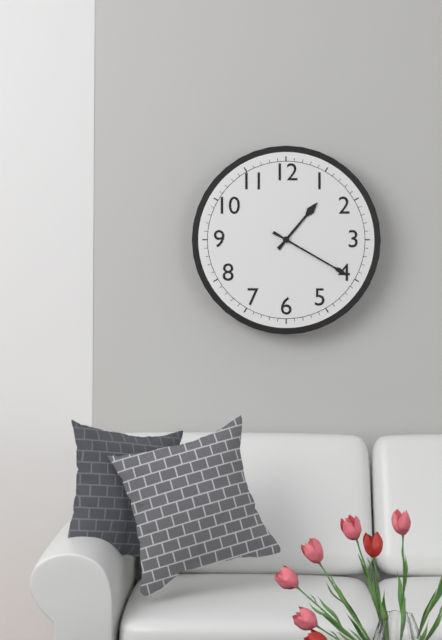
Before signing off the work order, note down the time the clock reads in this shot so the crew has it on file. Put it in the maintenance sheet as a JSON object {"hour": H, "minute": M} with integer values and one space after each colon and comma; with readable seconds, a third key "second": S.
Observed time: {"hour": 1, "minute": 20}
